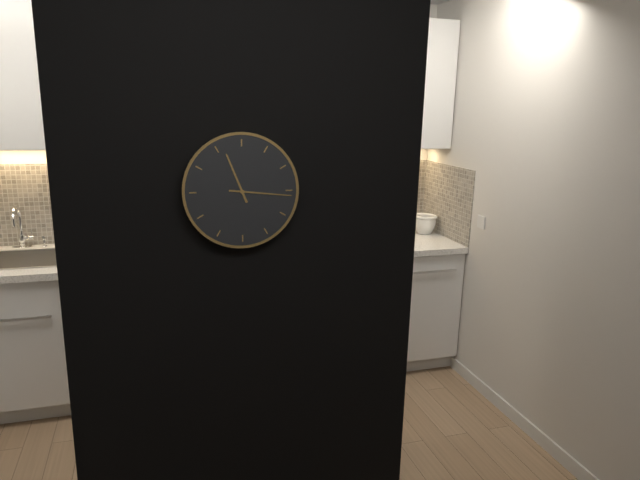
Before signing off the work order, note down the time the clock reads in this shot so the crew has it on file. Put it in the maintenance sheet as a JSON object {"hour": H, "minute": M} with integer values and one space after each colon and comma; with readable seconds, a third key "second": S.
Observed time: {"hour": 11, "minute": 16}
